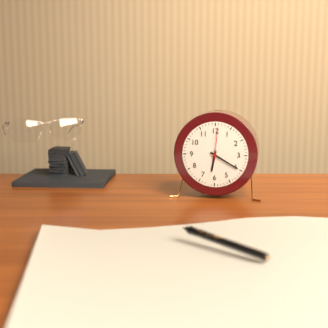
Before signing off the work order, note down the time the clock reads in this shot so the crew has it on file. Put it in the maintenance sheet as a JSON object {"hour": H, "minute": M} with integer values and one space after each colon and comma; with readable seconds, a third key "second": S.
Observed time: {"hour": 6, "minute": 20}
